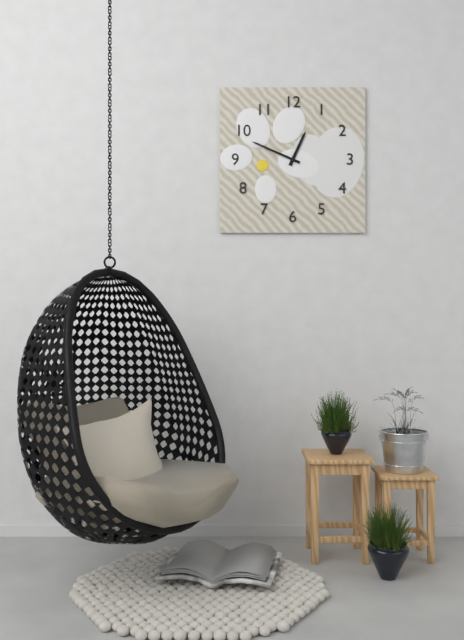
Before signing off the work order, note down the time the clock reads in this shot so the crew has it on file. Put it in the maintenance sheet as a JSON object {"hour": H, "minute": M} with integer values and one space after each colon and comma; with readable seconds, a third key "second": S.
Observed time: {"hour": 12, "minute": 49}
